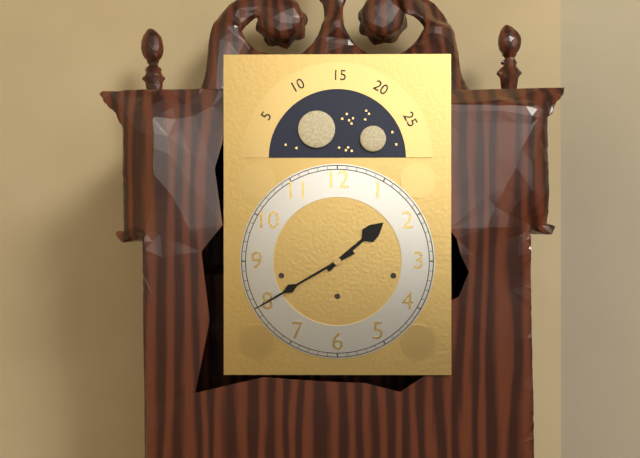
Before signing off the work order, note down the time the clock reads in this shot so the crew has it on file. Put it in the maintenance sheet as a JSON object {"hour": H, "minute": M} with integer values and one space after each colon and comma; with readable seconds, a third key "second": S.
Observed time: {"hour": 1, "minute": 40}
